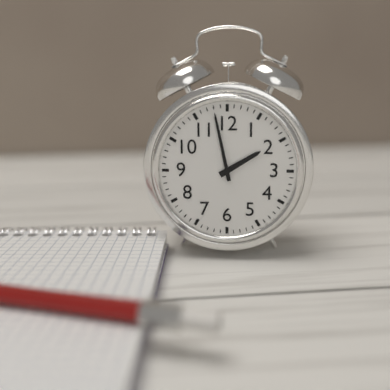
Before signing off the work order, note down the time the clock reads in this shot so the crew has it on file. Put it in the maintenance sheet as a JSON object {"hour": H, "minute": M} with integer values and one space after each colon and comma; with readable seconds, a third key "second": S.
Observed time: {"hour": 1, "minute": 58}
